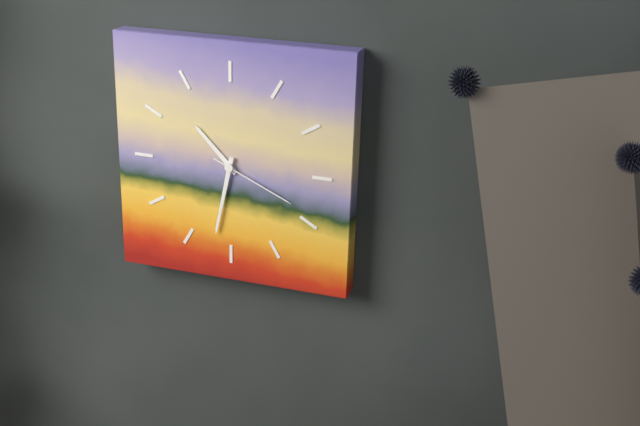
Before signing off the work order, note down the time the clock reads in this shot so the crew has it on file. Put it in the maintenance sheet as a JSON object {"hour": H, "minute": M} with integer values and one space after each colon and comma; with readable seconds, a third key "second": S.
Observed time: {"hour": 10, "minute": 32, "second": 19}
